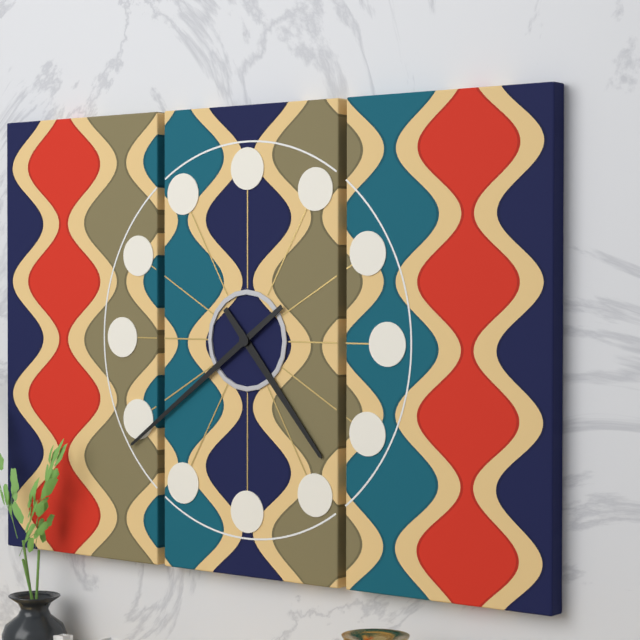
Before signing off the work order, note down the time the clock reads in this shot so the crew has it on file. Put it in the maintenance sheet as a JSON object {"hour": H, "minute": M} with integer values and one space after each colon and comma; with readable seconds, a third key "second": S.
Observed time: {"hour": 4, "minute": 39}
